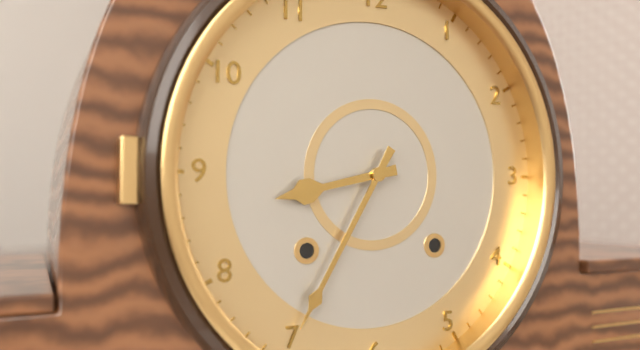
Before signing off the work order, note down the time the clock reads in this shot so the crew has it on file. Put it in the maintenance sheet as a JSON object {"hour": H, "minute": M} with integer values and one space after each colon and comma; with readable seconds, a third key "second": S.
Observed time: {"hour": 8, "minute": 35}
